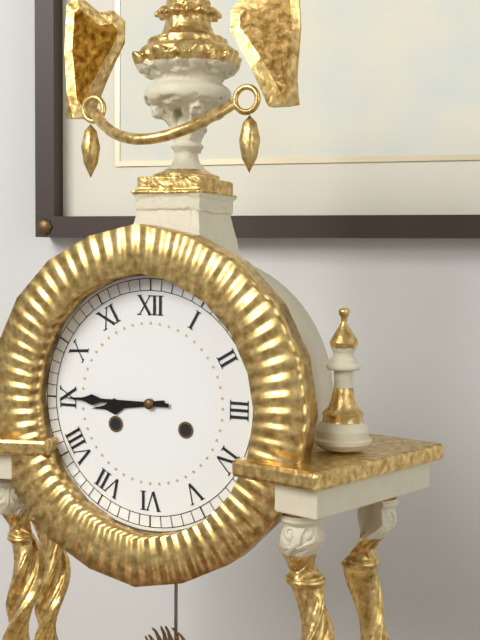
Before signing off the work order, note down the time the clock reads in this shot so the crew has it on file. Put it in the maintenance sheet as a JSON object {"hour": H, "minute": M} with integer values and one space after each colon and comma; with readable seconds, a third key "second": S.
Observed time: {"hour": 8, "minute": 45}
